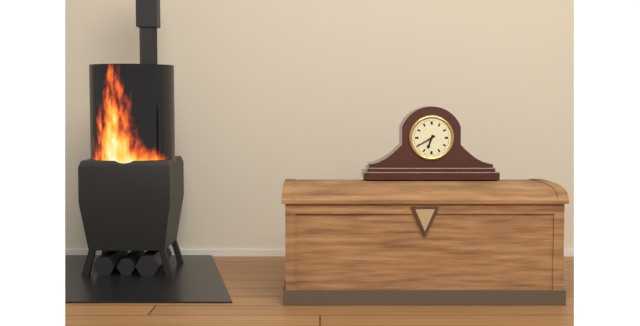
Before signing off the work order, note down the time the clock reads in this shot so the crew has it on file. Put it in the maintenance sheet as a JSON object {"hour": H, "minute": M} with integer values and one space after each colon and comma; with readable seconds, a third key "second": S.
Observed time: {"hour": 6, "minute": 40}
